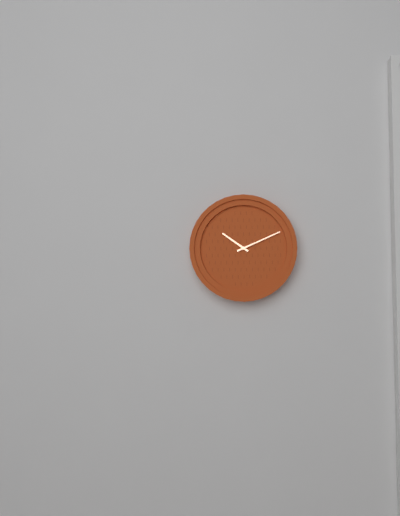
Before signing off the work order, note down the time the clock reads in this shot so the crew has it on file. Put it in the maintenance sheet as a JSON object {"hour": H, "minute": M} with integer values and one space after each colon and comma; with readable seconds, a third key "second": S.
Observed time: {"hour": 10, "minute": 11}
